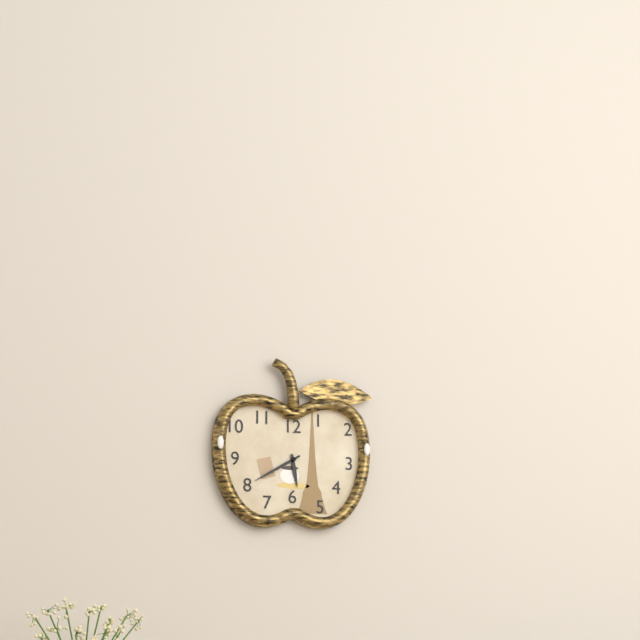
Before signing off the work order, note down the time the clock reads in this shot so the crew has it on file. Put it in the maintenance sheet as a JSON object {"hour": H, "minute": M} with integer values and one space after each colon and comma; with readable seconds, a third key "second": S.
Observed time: {"hour": 5, "minute": 40}
